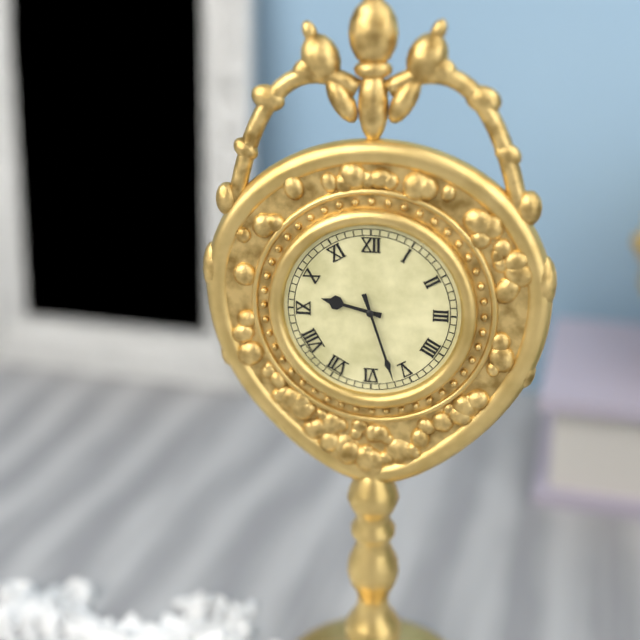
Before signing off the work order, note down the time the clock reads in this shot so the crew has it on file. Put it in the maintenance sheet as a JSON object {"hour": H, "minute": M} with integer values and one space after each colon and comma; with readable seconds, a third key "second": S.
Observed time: {"hour": 9, "minute": 27}
